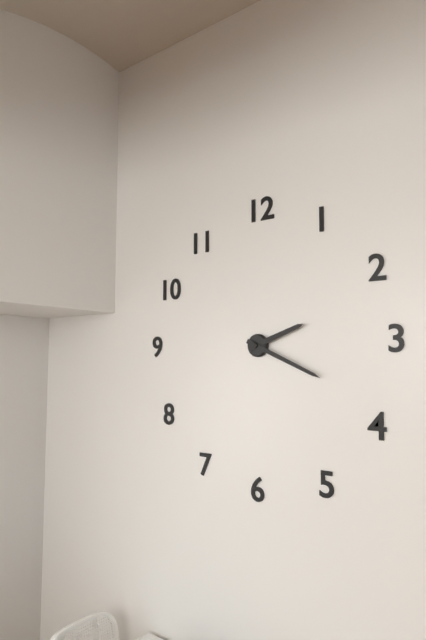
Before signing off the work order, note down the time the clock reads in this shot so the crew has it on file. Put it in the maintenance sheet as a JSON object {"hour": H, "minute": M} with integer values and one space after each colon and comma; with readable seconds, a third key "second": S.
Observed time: {"hour": 2, "minute": 19}
